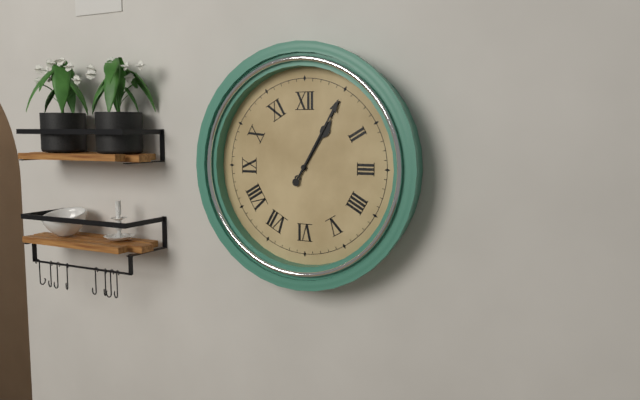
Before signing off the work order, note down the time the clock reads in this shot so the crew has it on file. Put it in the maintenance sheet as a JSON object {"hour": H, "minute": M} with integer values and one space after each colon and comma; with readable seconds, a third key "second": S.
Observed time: {"hour": 1, "minute": 5}
